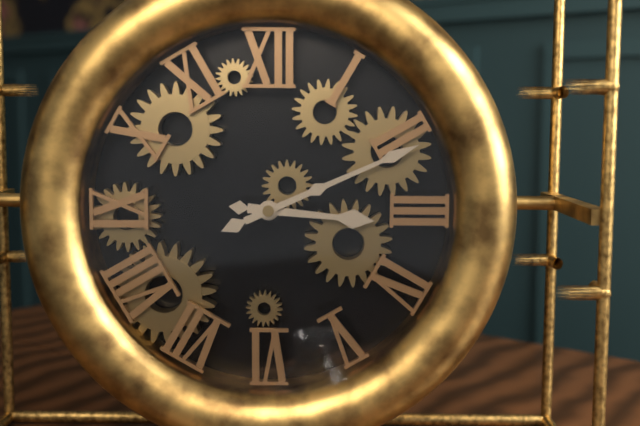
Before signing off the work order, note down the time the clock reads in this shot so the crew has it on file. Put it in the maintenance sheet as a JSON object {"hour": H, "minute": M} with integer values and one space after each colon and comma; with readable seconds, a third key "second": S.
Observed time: {"hour": 3, "minute": 11}
